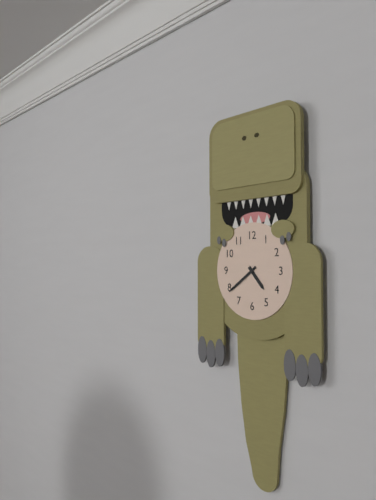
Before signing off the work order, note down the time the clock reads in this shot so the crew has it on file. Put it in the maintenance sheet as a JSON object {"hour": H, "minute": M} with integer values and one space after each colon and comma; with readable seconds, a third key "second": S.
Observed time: {"hour": 4, "minute": 39}
